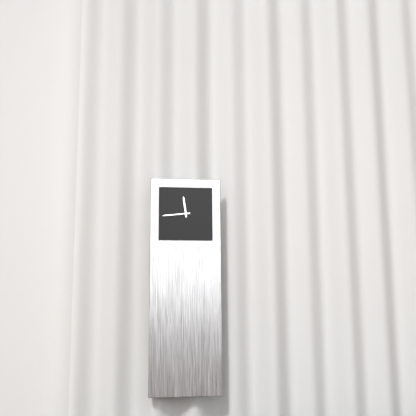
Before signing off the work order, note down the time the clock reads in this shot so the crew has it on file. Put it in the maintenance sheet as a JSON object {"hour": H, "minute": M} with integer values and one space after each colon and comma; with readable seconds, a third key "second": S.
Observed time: {"hour": 11, "minute": 44}
